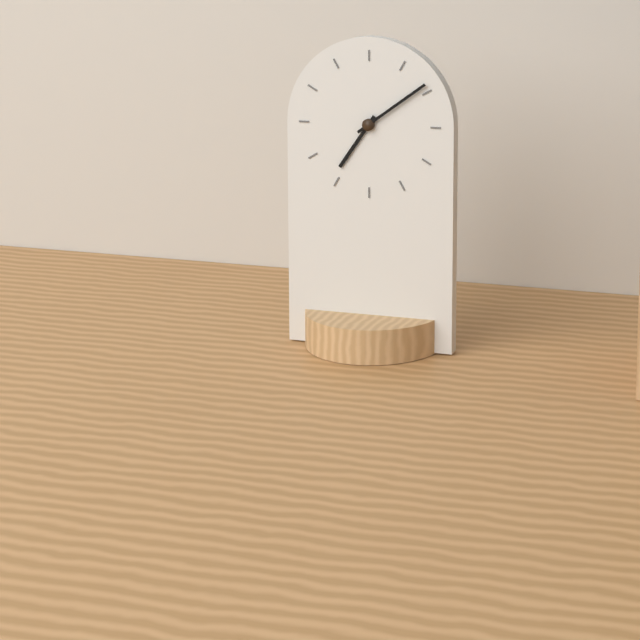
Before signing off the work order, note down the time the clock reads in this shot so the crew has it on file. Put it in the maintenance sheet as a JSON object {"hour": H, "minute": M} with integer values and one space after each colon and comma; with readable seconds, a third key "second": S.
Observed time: {"hour": 7, "minute": 9}
